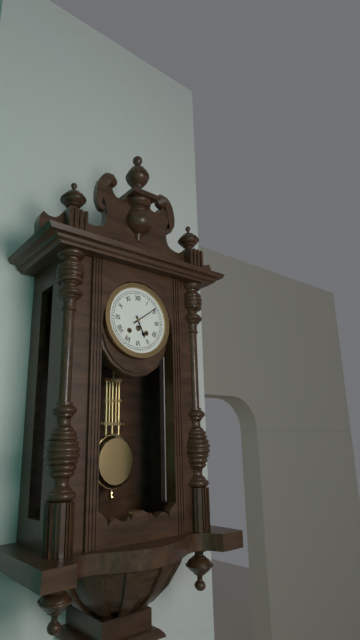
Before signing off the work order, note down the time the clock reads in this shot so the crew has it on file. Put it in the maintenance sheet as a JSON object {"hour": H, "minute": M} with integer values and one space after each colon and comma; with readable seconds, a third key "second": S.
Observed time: {"hour": 5, "minute": 9}
